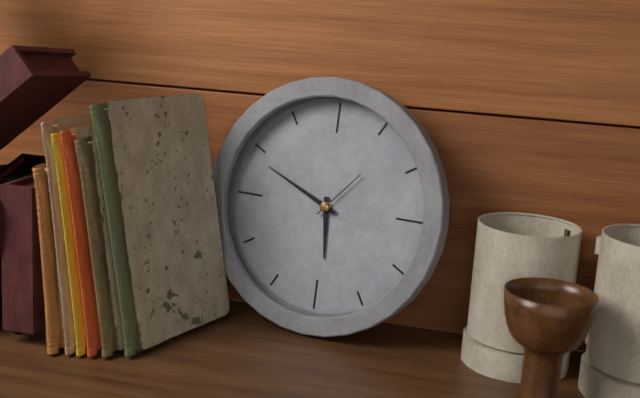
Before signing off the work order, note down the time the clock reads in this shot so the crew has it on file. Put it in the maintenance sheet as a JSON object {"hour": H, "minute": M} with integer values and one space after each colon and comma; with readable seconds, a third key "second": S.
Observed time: {"hour": 5, "minute": 49, "second": 7}
